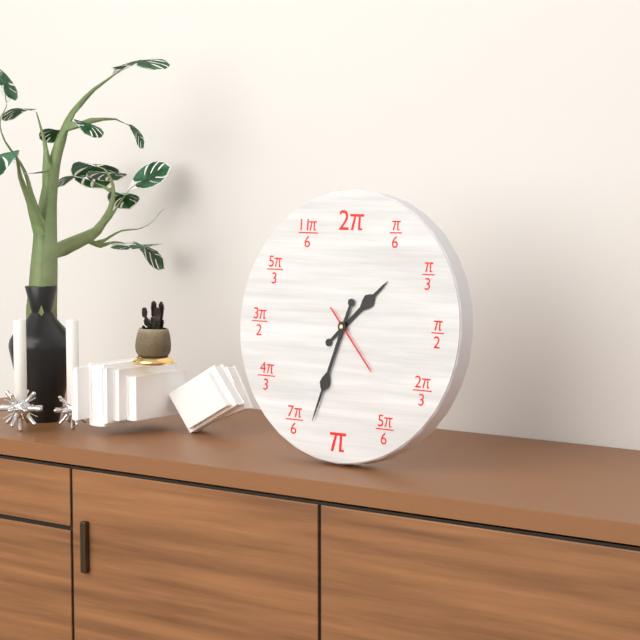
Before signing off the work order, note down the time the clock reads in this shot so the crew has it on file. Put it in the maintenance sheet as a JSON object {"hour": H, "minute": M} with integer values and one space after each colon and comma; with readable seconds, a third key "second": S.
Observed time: {"hour": 1, "minute": 33, "second": 23}
